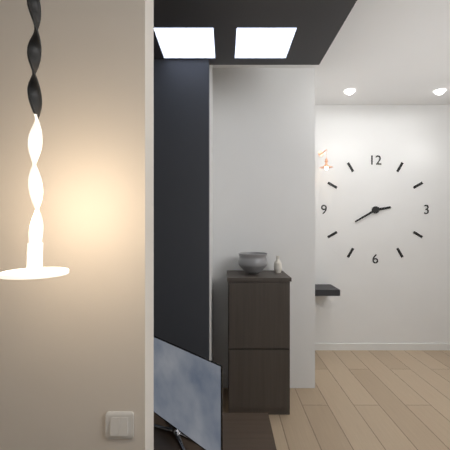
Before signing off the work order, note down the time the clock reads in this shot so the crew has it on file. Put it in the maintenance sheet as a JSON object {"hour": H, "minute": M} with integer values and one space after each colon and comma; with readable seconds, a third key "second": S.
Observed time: {"hour": 2, "minute": 40}
